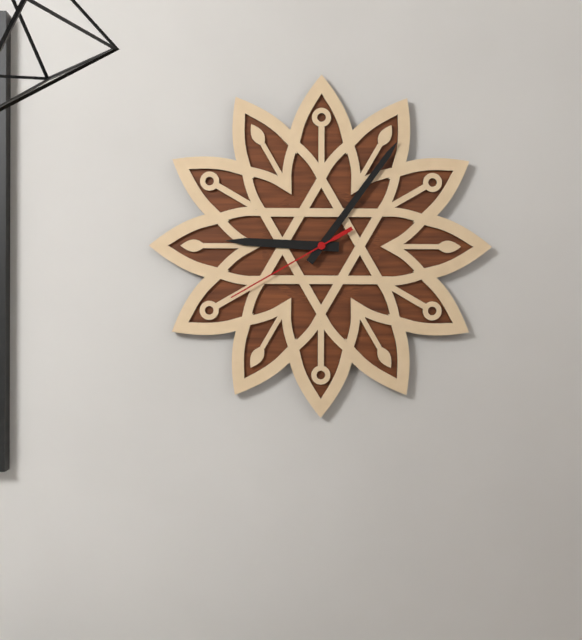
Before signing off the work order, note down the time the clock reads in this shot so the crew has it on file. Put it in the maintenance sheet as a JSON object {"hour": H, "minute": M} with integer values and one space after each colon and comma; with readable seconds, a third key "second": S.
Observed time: {"hour": 9, "minute": 6, "second": 40}
